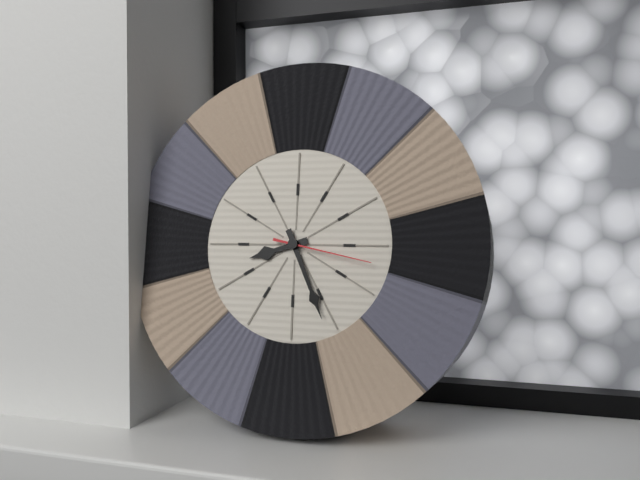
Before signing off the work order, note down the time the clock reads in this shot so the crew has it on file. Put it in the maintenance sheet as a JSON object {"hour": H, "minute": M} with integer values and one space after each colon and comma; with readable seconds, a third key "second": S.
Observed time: {"hour": 8, "minute": 26, "second": 17}
